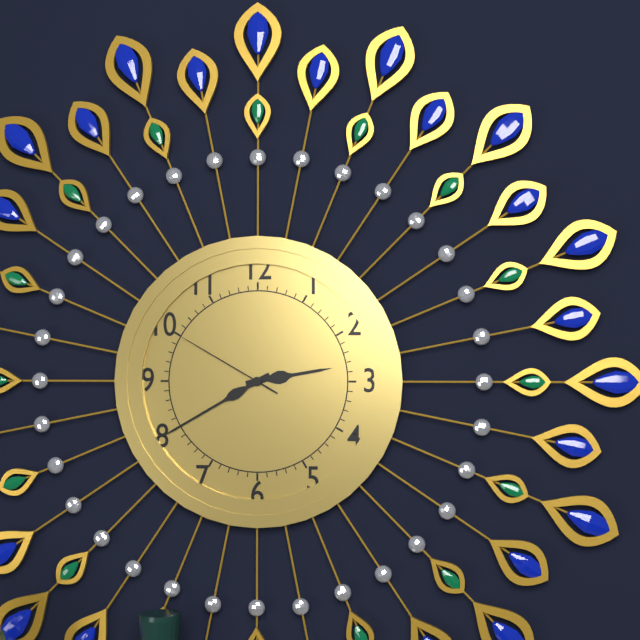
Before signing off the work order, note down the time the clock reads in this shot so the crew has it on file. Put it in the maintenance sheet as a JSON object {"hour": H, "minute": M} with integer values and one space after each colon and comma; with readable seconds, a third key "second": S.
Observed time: {"hour": 2, "minute": 40, "second": 50}
